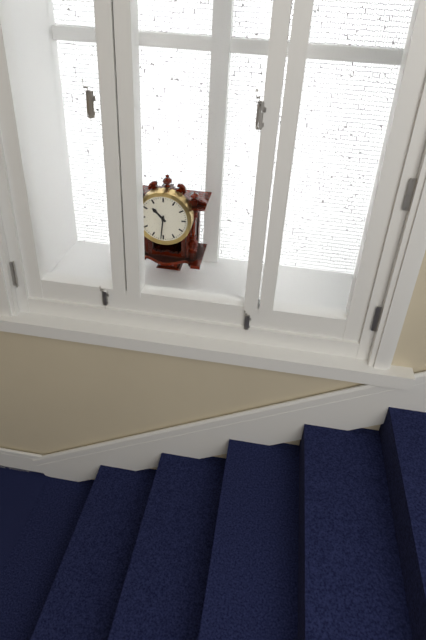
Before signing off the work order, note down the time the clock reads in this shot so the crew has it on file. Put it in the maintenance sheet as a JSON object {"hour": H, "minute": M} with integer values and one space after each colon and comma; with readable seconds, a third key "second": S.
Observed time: {"hour": 10, "minute": 31}
